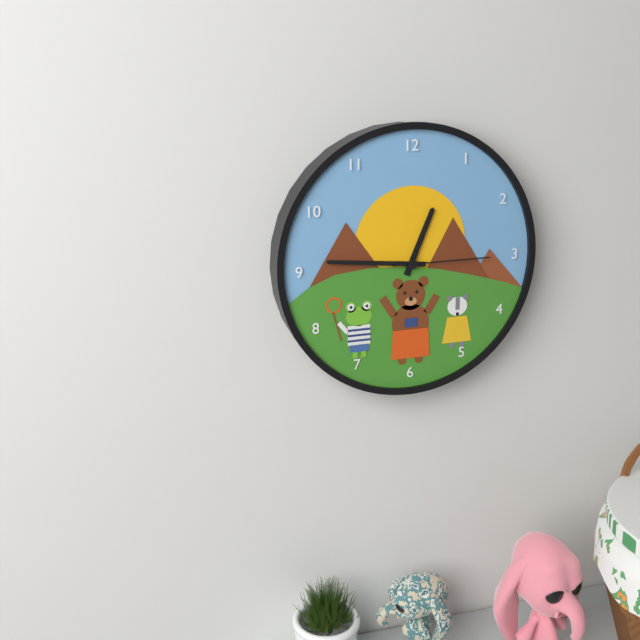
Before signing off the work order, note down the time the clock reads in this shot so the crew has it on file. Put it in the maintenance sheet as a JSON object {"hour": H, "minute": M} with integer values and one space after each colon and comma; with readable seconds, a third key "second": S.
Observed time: {"hour": 12, "minute": 46, "second": 15}
